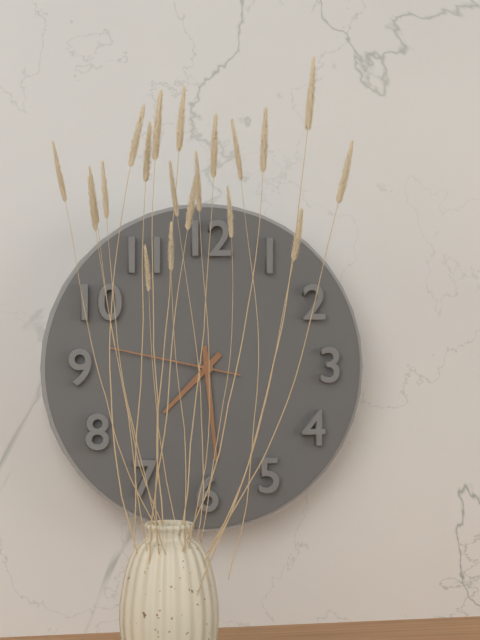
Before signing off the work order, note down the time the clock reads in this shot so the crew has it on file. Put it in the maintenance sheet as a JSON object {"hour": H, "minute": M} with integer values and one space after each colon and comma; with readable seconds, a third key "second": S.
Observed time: {"hour": 7, "minute": 29, "second": 47}
